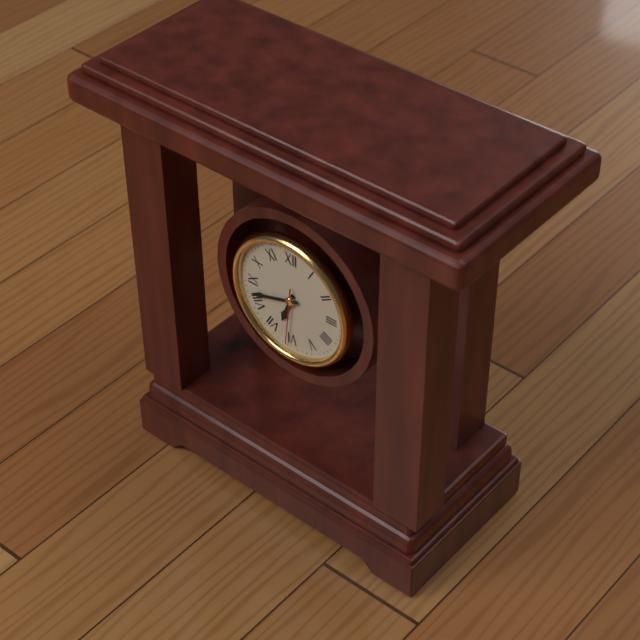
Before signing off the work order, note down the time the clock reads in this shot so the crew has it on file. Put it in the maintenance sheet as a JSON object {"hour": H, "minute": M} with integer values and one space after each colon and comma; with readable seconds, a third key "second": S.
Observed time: {"hour": 6, "minute": 42, "second": 31}
